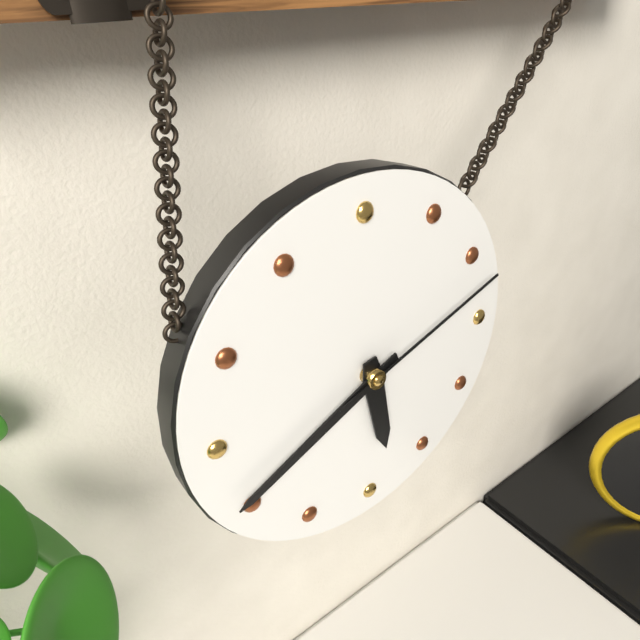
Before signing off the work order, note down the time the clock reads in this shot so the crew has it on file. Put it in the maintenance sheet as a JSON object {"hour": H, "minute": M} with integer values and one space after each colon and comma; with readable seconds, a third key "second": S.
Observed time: {"hour": 5, "minute": 41, "second": 12}
